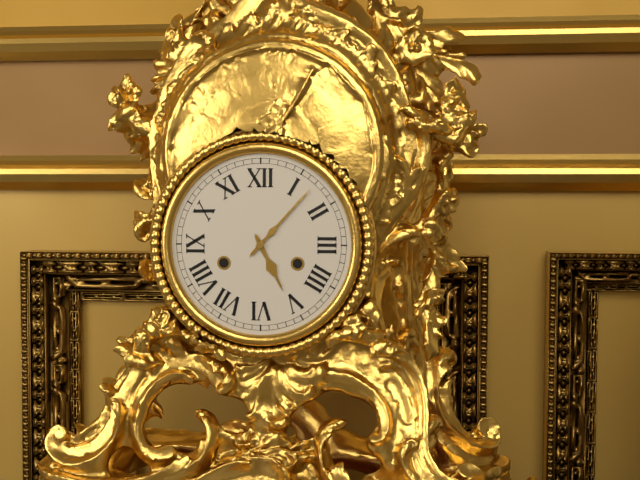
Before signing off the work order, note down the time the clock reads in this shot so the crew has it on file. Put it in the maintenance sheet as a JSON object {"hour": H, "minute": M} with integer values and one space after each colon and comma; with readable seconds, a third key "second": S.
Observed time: {"hour": 5, "minute": 7}
